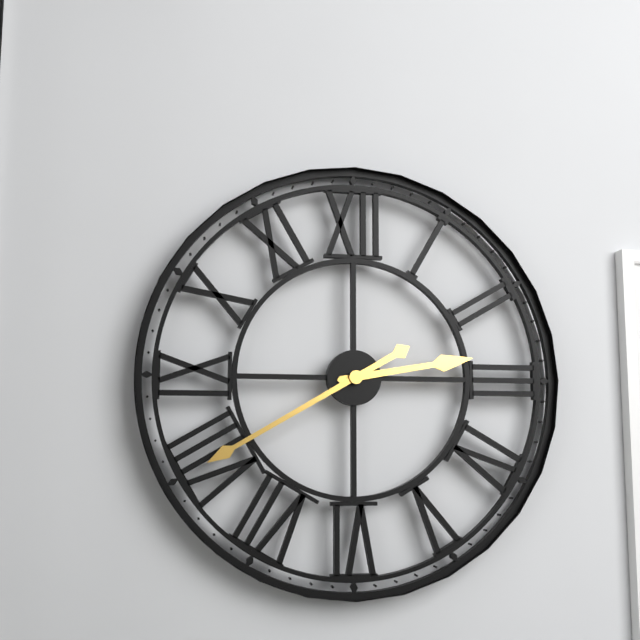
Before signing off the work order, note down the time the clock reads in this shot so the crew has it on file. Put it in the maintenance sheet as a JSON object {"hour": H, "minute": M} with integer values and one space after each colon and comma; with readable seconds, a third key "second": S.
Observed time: {"hour": 2, "minute": 40}
